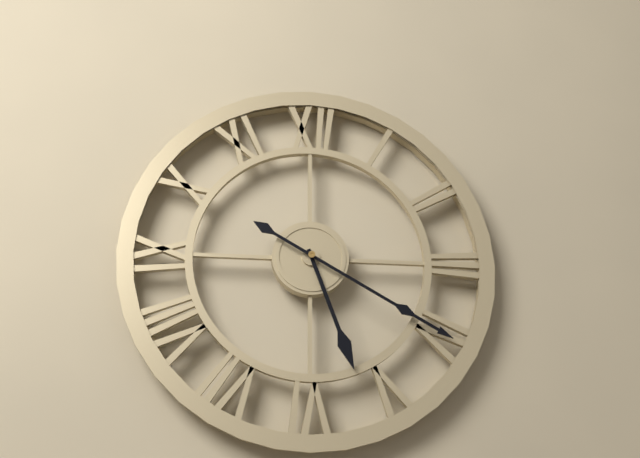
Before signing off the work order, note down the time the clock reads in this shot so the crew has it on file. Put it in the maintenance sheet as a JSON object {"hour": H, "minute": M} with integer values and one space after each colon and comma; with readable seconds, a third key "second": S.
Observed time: {"hour": 5, "minute": 20}
